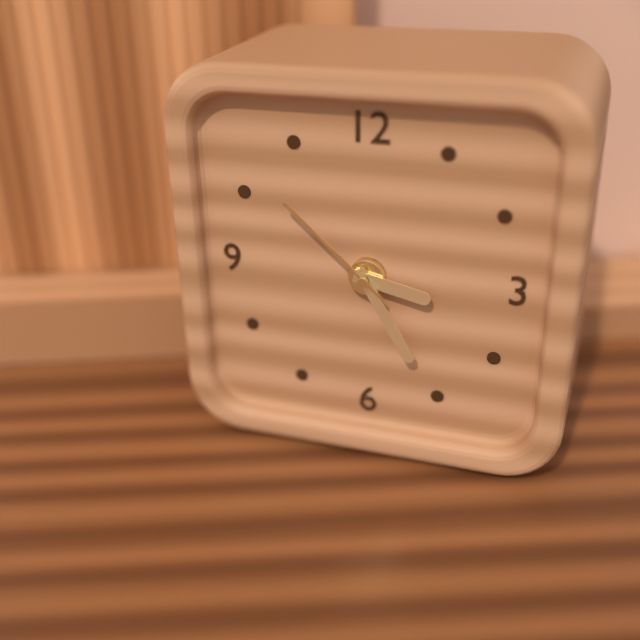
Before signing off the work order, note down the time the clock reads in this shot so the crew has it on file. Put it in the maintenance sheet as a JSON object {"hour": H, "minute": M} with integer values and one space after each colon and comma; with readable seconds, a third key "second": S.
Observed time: {"hour": 3, "minute": 25, "second": 52}
